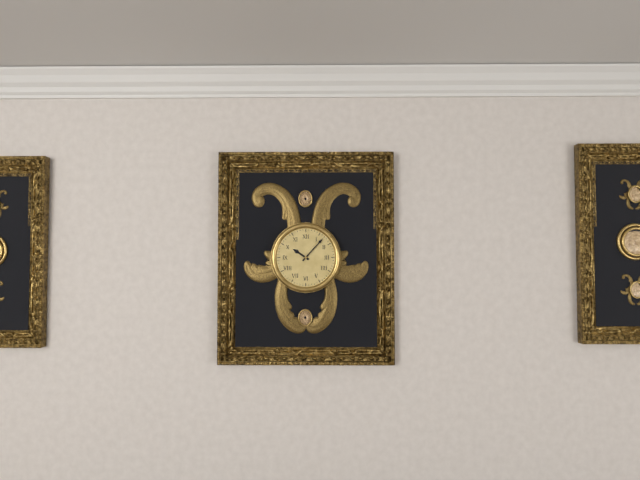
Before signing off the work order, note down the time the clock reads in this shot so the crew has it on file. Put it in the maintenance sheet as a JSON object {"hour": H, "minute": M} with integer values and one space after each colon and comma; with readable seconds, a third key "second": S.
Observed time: {"hour": 10, "minute": 7}
